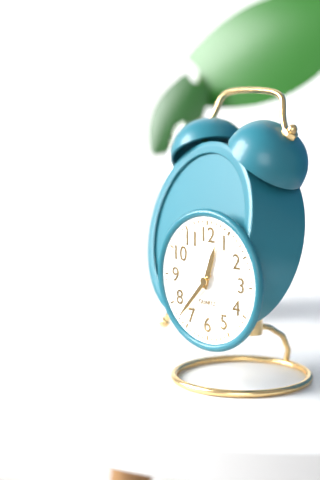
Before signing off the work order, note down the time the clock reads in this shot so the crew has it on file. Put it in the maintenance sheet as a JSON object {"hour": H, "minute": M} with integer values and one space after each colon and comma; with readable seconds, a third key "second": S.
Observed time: {"hour": 12, "minute": 37}
